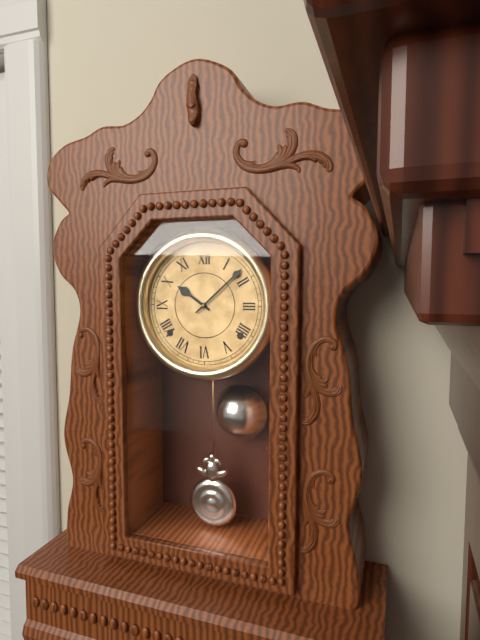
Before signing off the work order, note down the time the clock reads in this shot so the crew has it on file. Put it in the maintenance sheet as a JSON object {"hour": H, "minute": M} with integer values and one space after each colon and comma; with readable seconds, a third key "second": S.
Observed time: {"hour": 10, "minute": 8}
